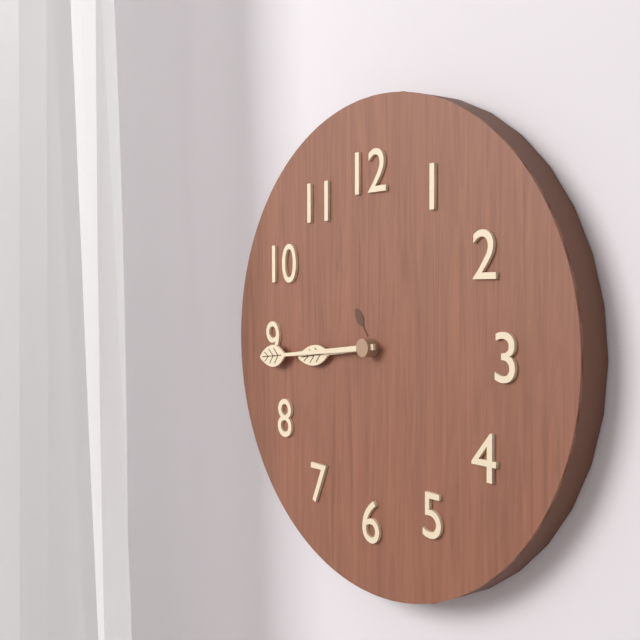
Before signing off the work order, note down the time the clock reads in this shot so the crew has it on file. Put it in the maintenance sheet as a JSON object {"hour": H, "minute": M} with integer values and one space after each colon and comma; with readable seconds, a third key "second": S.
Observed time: {"hour": 8, "minute": 44}
